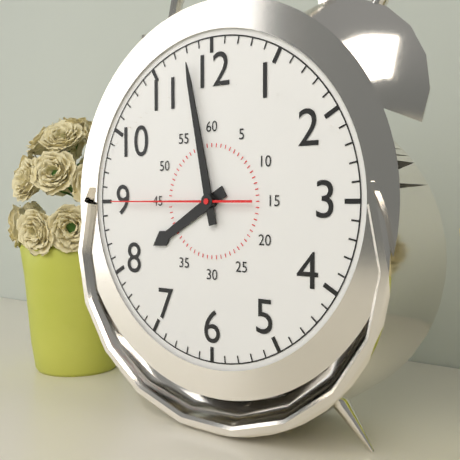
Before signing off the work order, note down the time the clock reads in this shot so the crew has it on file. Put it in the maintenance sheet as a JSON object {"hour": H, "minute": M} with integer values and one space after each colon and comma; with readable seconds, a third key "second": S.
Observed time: {"hour": 7, "minute": 58, "second": 45}
